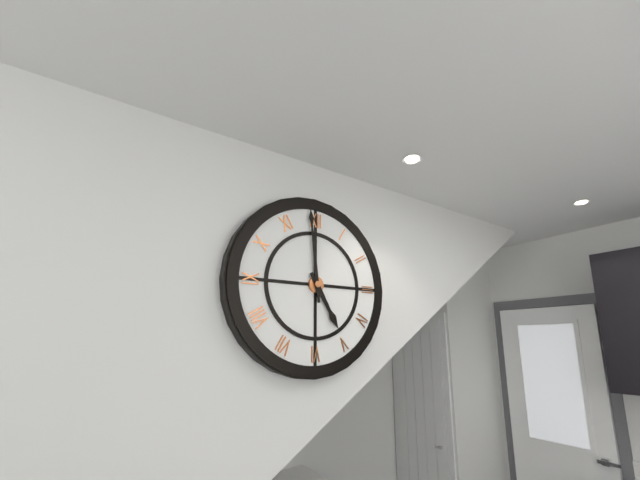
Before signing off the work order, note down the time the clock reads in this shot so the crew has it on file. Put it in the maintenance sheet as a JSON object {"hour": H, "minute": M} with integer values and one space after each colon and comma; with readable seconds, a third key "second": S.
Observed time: {"hour": 4, "minute": 59}
